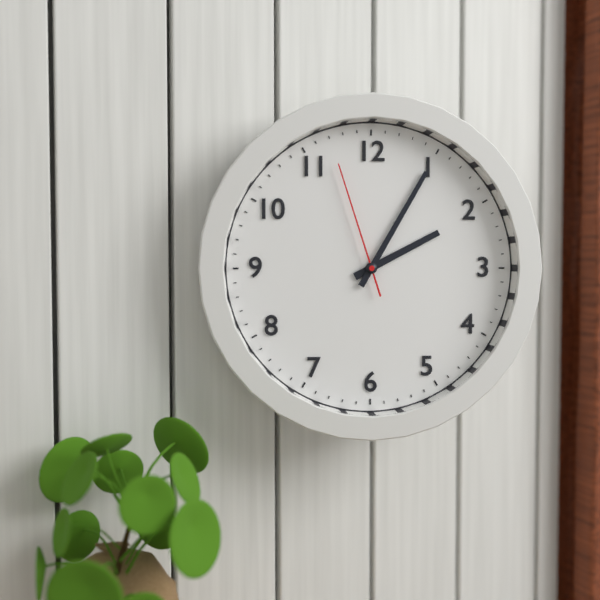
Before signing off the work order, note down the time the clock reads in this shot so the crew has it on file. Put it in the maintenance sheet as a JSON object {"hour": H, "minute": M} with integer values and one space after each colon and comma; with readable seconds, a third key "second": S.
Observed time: {"hour": 2, "minute": 5, "second": 57}
